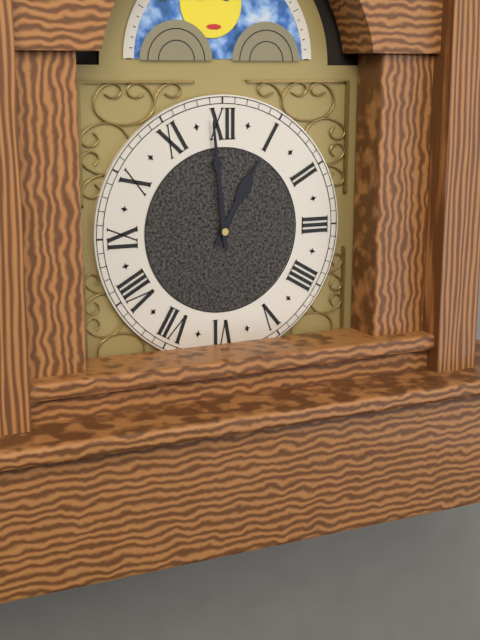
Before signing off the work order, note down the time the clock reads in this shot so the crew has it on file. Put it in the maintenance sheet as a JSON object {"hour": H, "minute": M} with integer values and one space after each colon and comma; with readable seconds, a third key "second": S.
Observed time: {"hour": 12, "minute": 59}
